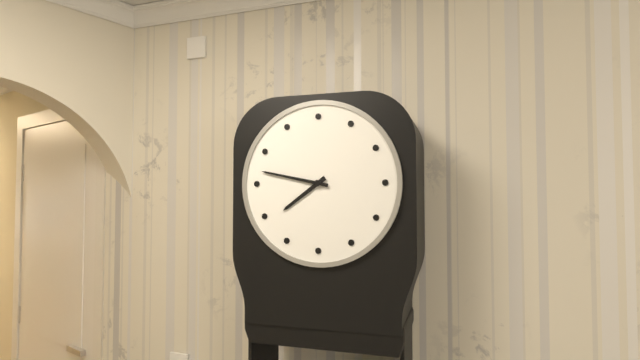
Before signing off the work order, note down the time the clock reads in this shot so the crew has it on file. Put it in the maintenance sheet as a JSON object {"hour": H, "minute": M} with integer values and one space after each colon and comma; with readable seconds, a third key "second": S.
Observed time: {"hour": 7, "minute": 47}
